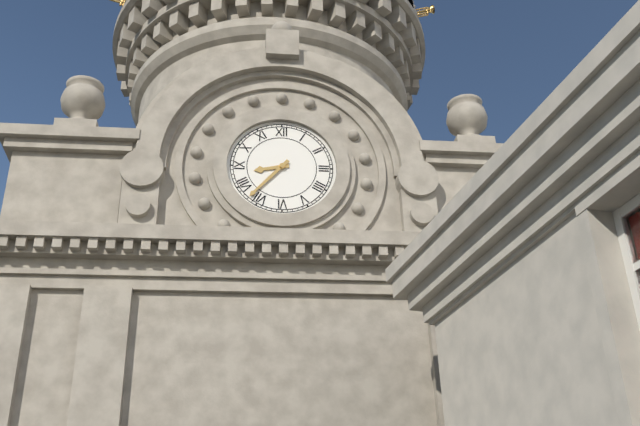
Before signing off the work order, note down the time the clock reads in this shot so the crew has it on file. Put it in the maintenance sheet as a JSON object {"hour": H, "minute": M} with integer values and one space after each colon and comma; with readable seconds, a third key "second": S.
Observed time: {"hour": 8, "minute": 37}
